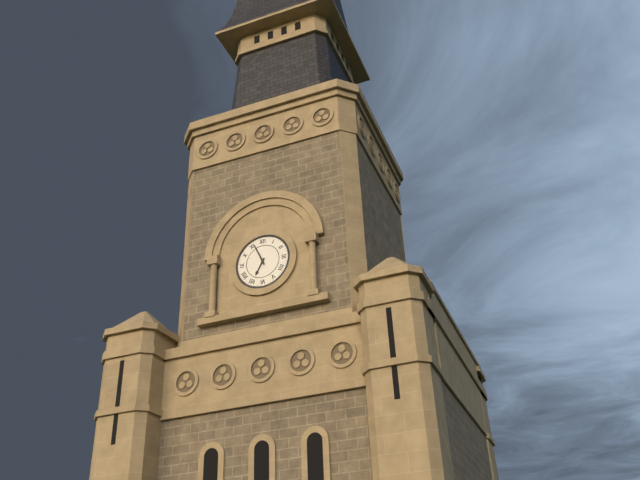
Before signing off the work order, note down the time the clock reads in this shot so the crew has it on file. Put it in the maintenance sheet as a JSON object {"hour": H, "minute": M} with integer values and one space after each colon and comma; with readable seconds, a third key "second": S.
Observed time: {"hour": 6, "minute": 56}
